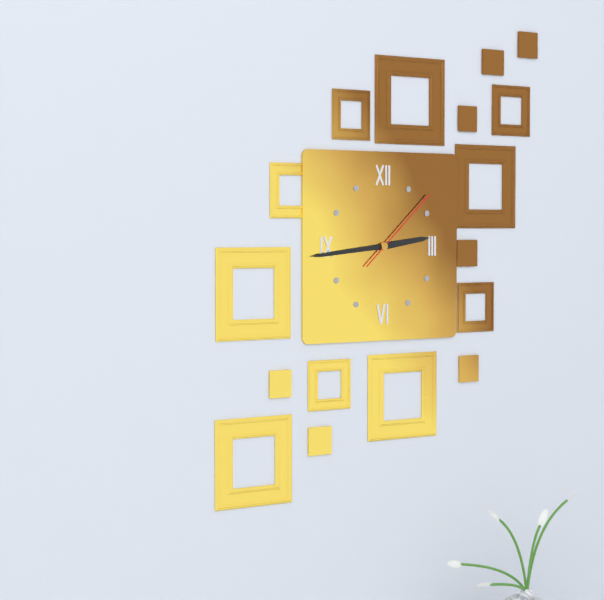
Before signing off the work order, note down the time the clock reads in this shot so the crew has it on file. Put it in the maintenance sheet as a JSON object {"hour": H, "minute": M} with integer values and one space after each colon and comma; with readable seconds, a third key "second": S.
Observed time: {"hour": 2, "minute": 44, "second": 8}
